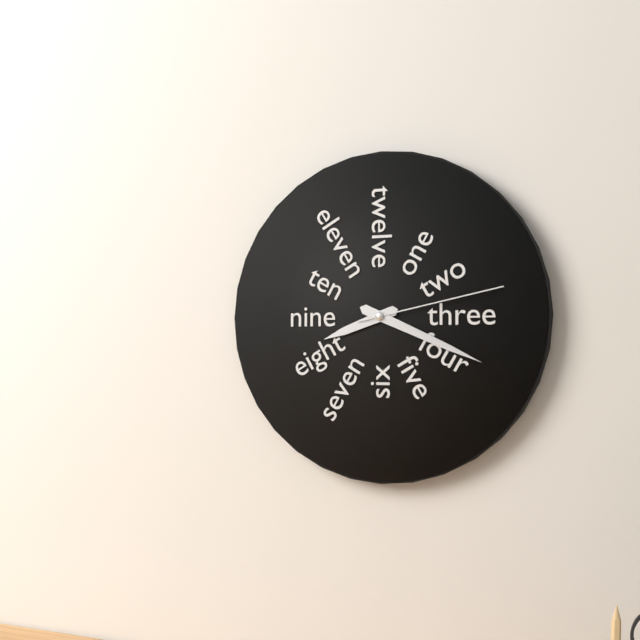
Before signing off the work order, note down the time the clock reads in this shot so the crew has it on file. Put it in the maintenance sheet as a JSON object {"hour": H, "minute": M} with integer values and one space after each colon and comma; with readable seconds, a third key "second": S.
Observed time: {"hour": 8, "minute": 19, "second": 13}
